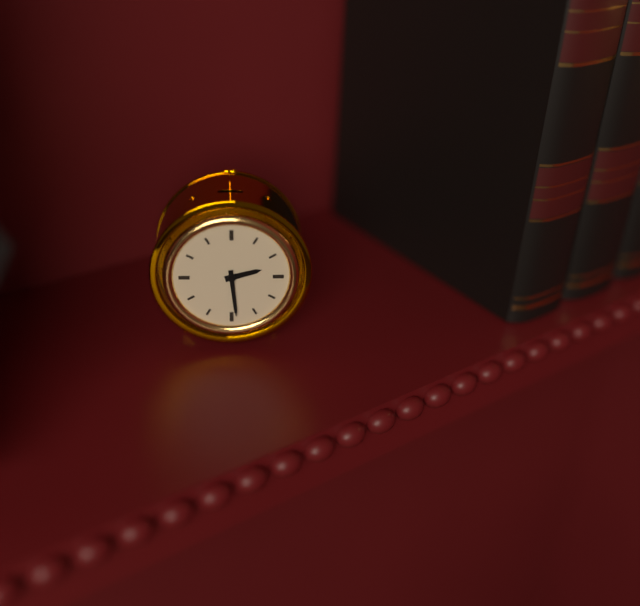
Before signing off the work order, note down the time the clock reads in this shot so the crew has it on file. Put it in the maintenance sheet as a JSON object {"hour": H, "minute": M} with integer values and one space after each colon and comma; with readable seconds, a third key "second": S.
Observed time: {"hour": 2, "minute": 29}
